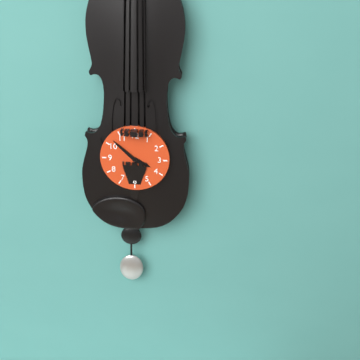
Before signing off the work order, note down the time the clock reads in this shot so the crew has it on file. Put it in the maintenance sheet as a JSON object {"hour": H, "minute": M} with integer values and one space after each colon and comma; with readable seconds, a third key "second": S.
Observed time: {"hour": 3, "minute": 52}
